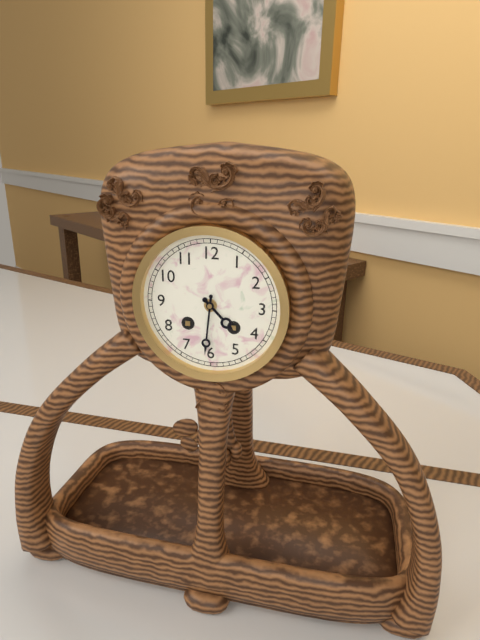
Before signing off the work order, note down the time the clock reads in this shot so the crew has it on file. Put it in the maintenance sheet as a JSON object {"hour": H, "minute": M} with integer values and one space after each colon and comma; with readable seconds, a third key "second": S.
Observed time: {"hour": 4, "minute": 31}
